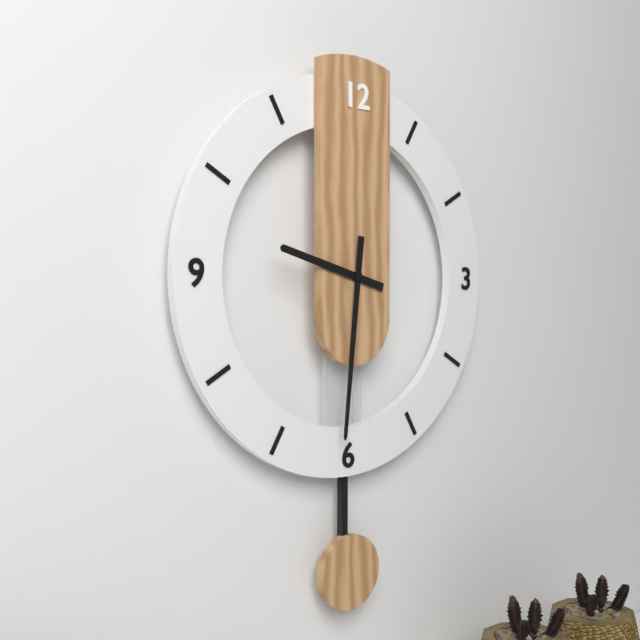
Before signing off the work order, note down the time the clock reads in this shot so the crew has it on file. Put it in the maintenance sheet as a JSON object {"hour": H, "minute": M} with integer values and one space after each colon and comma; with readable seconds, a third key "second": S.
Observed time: {"hour": 9, "minute": 31}
